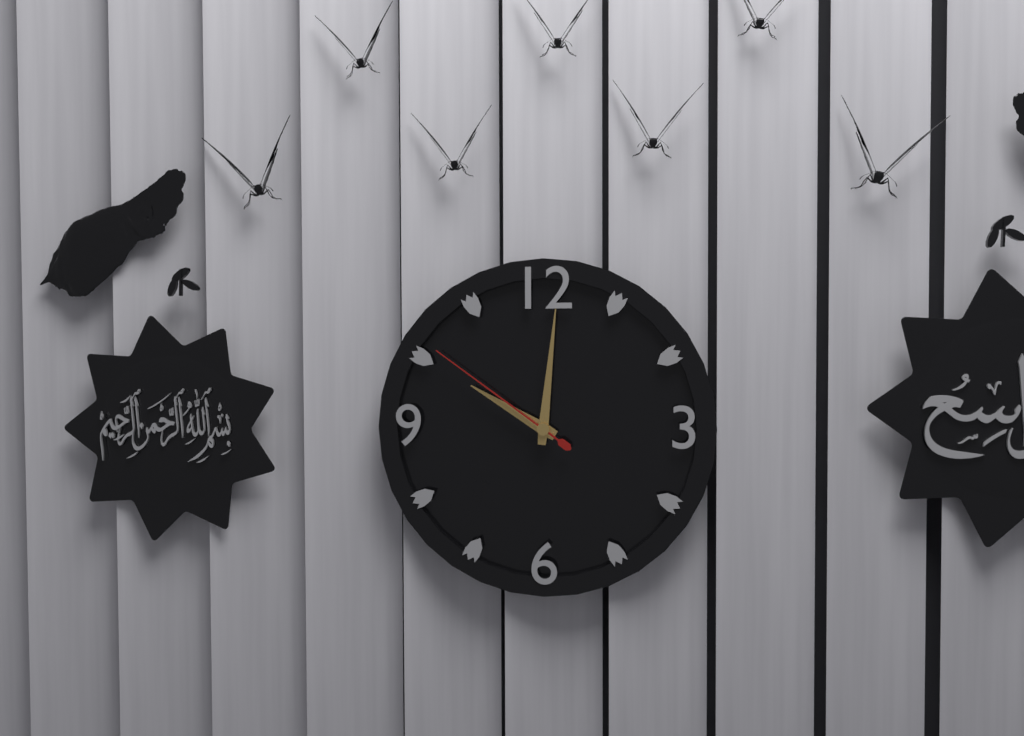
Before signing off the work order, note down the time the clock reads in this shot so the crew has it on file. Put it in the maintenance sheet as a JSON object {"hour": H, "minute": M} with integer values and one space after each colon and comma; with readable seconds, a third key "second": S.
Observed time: {"hour": 10, "minute": 1, "second": 51}
